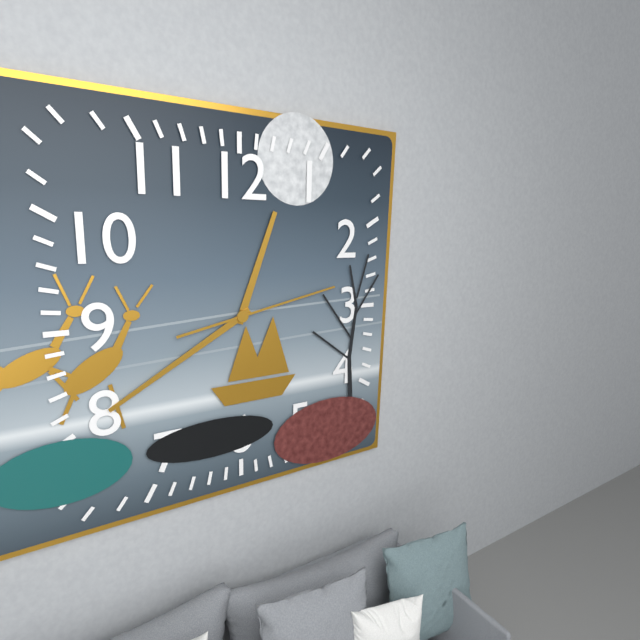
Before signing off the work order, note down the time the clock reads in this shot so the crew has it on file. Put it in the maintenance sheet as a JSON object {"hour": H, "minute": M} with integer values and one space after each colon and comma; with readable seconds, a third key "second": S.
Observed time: {"hour": 12, "minute": 40, "second": 13}
